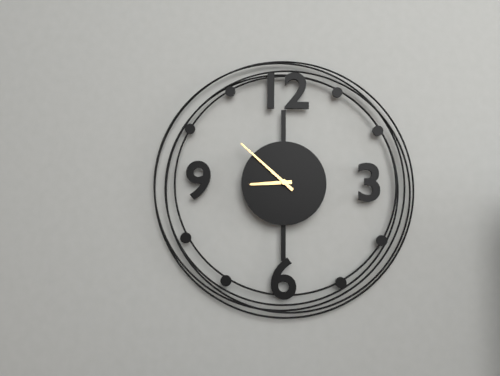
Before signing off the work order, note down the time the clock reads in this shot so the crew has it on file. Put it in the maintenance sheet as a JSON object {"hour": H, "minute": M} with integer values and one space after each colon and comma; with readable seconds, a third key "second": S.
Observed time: {"hour": 8, "minute": 52}
